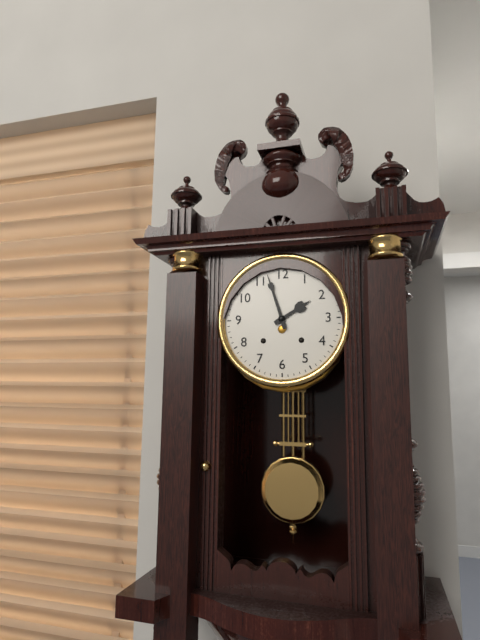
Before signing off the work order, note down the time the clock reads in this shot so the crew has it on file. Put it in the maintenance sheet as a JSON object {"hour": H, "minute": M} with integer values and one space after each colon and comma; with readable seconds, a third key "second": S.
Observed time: {"hour": 1, "minute": 57}
